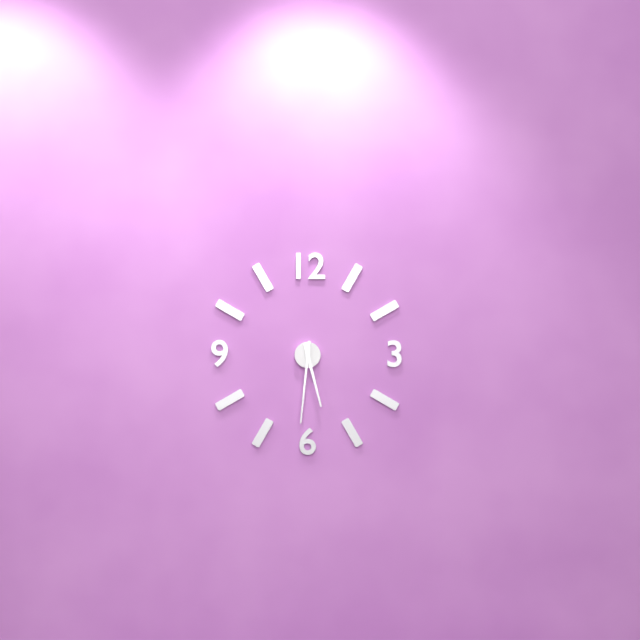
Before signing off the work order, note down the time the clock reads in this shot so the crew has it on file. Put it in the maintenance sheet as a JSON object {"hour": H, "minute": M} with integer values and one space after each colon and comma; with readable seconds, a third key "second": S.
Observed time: {"hour": 5, "minute": 31}
